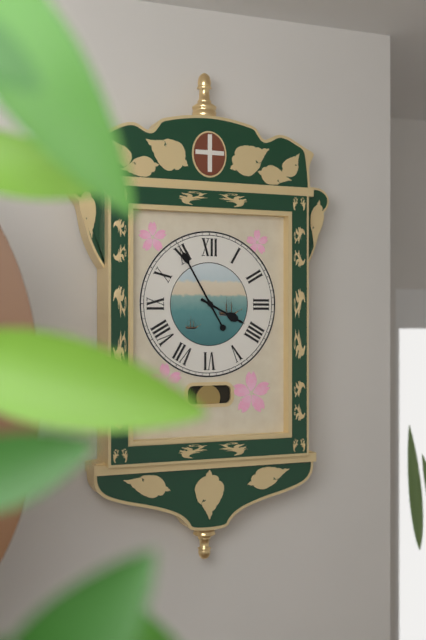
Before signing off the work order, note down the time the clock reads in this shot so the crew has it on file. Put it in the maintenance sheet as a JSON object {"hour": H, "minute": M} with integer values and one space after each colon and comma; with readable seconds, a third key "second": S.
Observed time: {"hour": 3, "minute": 55}
